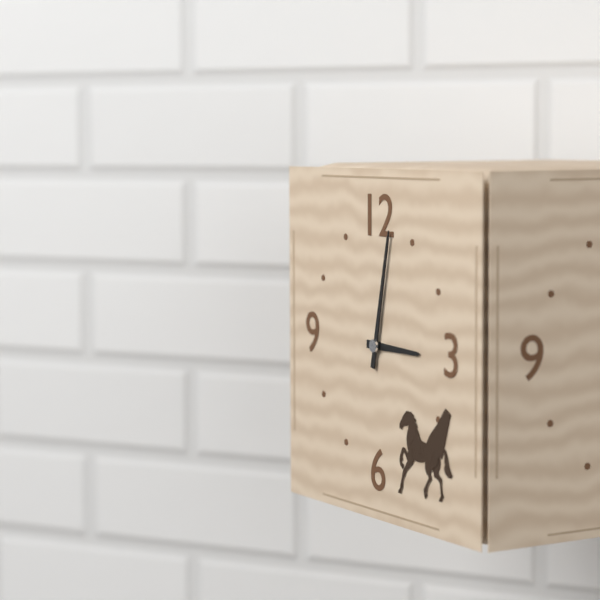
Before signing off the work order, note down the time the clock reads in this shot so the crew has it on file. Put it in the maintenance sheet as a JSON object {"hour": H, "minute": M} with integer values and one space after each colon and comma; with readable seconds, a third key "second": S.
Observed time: {"hour": 3, "minute": 2}
